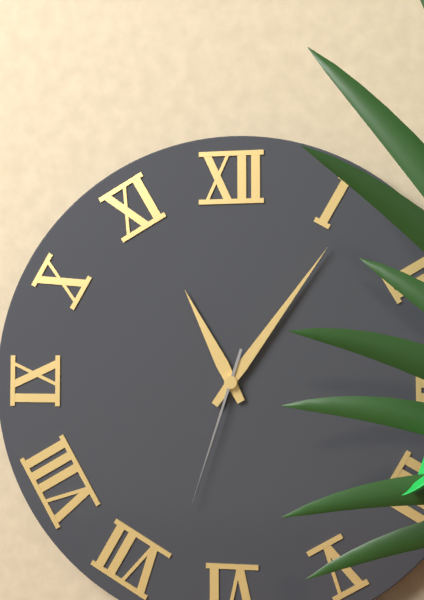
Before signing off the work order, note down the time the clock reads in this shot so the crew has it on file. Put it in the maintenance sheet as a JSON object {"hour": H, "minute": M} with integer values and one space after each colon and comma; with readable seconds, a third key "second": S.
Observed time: {"hour": 11, "minute": 6, "second": 33}
